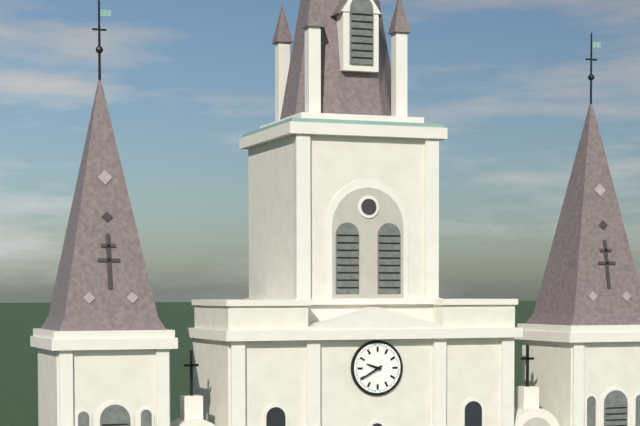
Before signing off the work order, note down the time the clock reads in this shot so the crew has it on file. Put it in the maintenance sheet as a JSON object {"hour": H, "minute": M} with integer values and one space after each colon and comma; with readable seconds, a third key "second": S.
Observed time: {"hour": 9, "minute": 40}
